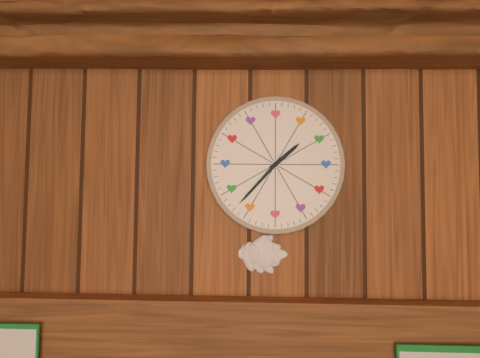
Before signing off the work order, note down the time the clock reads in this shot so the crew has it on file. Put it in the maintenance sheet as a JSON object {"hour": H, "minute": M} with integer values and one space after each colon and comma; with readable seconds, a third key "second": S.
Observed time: {"hour": 1, "minute": 37}
